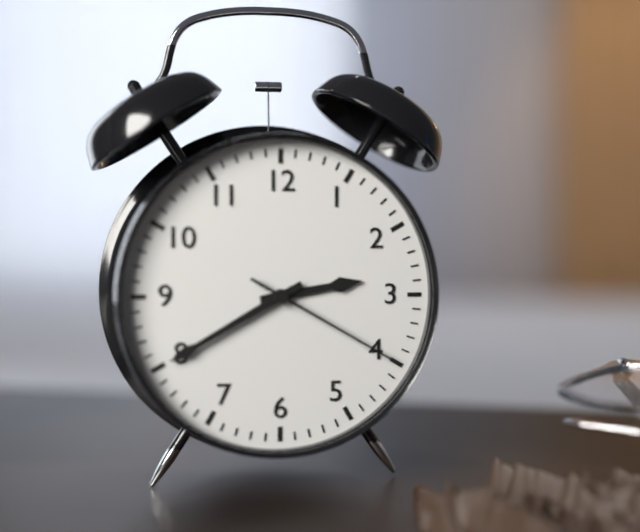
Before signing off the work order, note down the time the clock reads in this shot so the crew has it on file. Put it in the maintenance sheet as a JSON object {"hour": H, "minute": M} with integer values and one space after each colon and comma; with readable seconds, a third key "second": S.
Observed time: {"hour": 2, "minute": 40, "second": 20}
